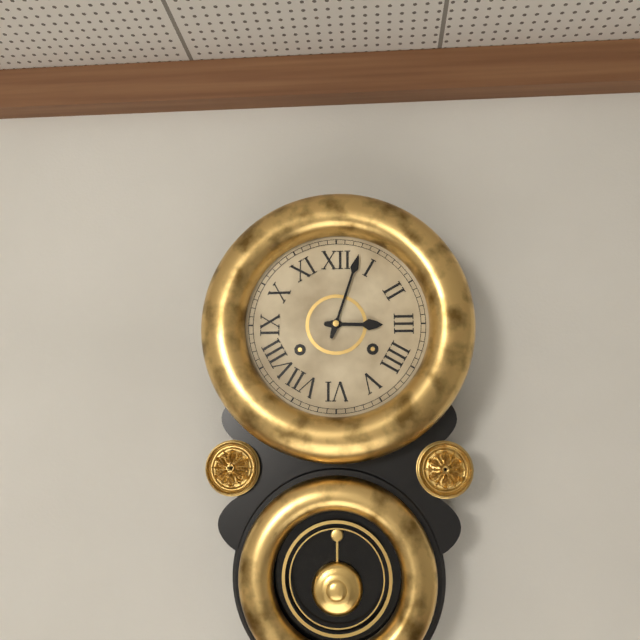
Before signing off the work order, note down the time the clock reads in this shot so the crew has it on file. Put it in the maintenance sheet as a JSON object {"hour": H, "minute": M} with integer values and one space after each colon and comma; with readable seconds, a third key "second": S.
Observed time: {"hour": 3, "minute": 3}
